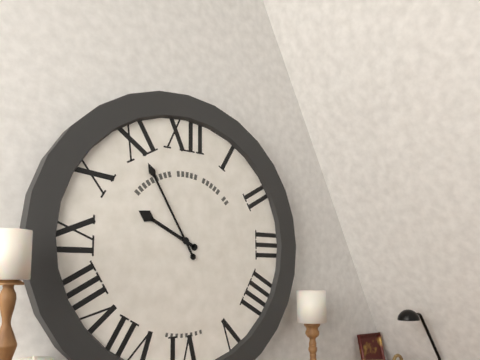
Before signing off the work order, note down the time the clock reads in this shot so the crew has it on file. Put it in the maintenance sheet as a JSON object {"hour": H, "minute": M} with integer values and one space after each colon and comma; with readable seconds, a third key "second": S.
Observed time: {"hour": 9, "minute": 55}
